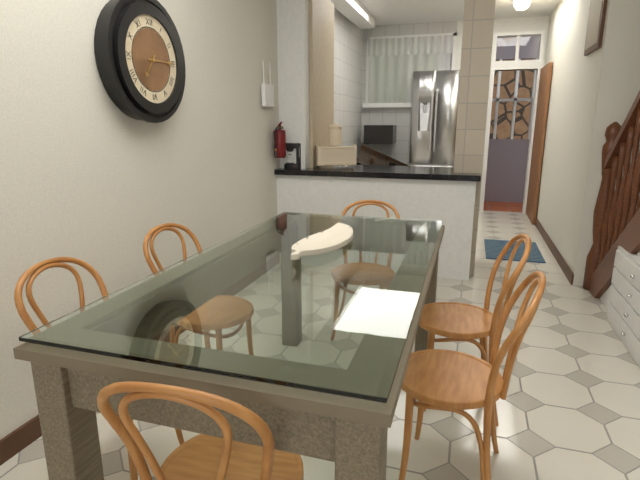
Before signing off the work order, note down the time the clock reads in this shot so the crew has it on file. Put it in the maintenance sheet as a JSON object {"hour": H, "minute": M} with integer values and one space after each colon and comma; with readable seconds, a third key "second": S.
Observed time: {"hour": 7, "minute": 15}
